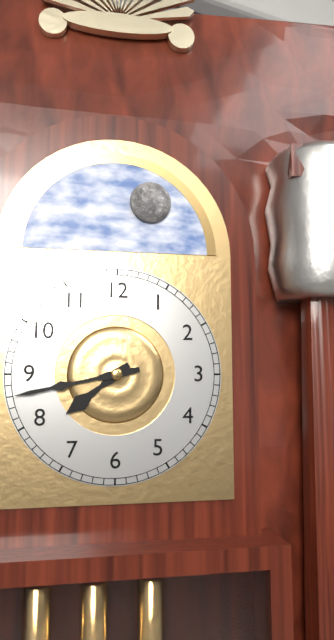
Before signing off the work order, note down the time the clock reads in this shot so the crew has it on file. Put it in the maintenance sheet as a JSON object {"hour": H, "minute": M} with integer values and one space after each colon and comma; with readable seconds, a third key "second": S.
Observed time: {"hour": 7, "minute": 43}
